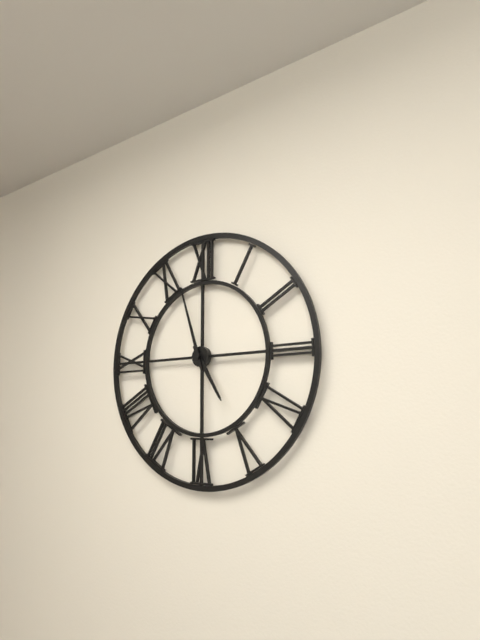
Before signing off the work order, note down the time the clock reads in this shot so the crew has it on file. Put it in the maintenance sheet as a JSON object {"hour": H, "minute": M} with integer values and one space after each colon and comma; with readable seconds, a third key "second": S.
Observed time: {"hour": 4, "minute": 57}
